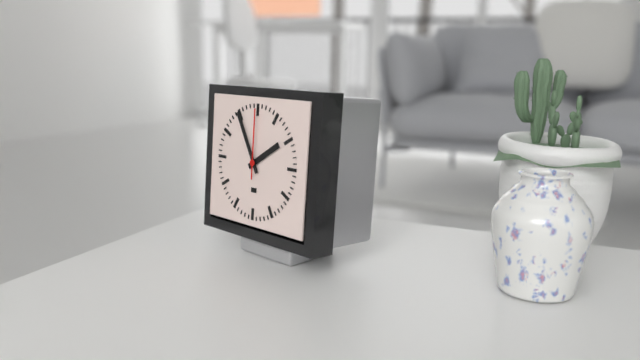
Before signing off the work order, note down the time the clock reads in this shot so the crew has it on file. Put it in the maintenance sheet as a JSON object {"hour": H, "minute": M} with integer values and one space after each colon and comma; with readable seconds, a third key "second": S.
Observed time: {"hour": 1, "minute": 55, "second": 0}
